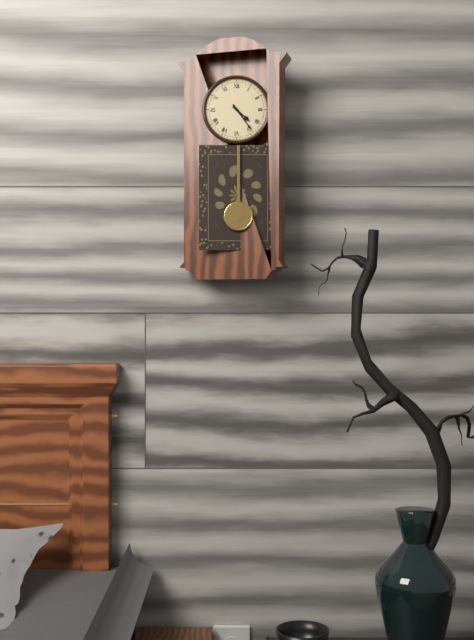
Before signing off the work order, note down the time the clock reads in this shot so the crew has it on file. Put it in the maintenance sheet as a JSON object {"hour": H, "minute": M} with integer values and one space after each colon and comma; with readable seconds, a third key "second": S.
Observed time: {"hour": 4, "minute": 24}
